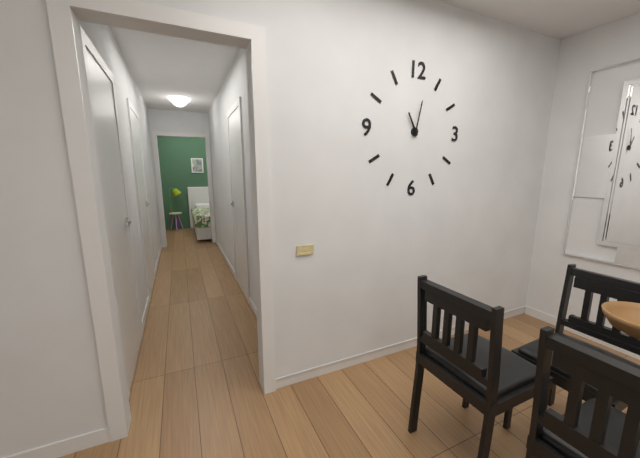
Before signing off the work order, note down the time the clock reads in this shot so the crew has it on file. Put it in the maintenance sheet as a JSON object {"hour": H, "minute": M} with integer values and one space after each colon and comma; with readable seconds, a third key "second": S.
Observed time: {"hour": 11, "minute": 2}
